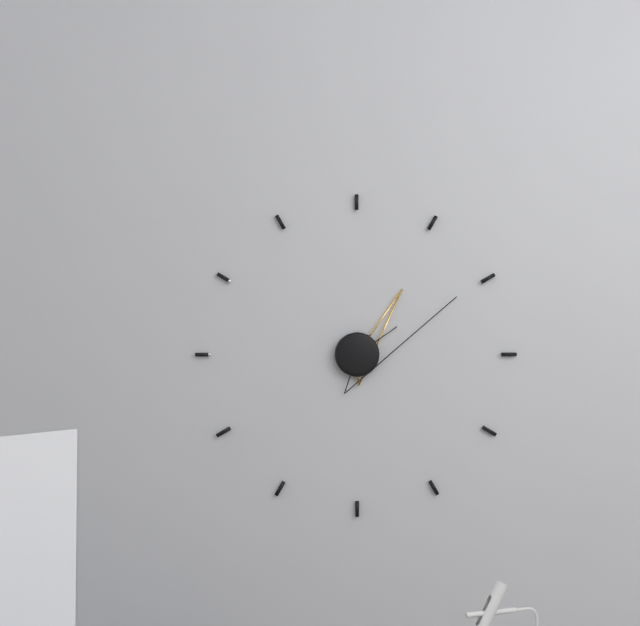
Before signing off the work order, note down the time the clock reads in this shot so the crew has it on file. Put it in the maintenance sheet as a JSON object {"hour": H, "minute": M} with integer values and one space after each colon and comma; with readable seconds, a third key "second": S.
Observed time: {"hour": 1, "minute": 10}
